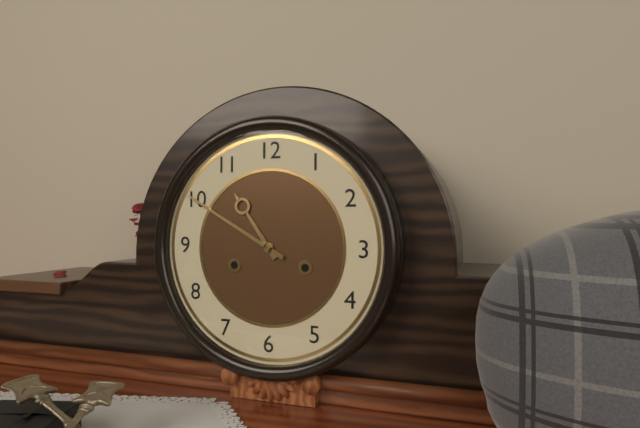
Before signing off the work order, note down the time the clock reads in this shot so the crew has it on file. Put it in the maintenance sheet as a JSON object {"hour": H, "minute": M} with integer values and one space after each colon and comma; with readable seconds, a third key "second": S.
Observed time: {"hour": 10, "minute": 50}
